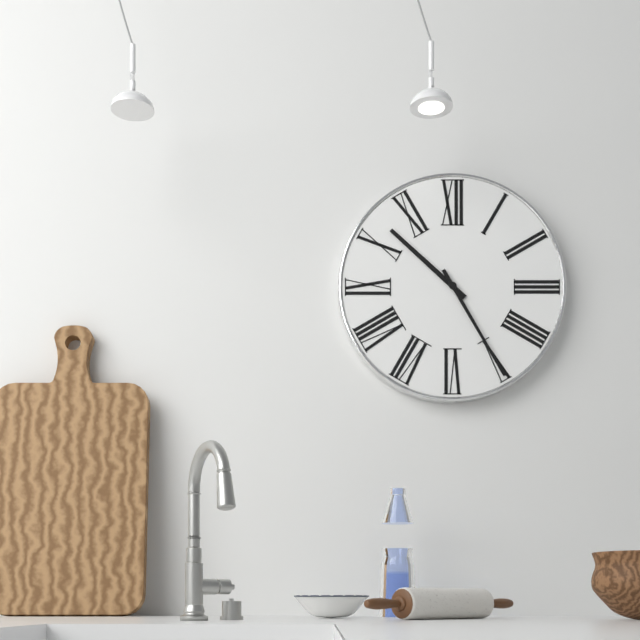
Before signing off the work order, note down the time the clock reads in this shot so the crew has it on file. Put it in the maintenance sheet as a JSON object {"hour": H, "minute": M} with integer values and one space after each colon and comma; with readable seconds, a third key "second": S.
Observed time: {"hour": 10, "minute": 25}
